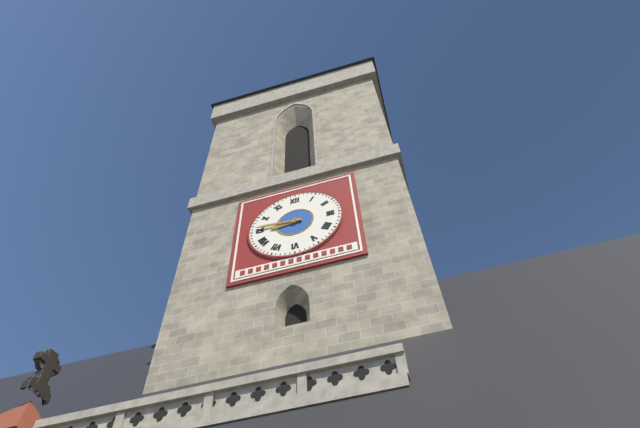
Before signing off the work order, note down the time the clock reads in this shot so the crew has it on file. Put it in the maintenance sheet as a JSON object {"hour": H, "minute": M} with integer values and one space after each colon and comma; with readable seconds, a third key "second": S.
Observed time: {"hour": 8, "minute": 46}
